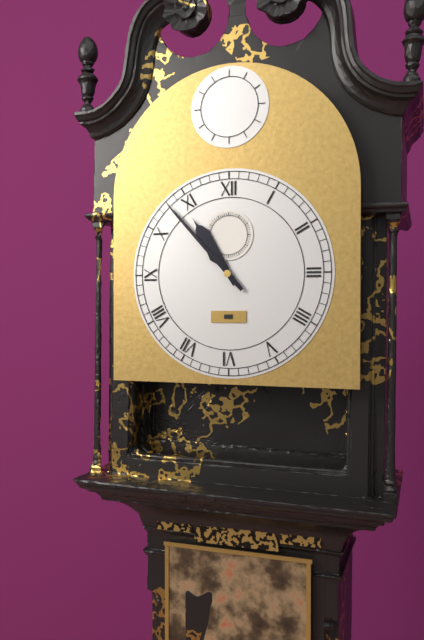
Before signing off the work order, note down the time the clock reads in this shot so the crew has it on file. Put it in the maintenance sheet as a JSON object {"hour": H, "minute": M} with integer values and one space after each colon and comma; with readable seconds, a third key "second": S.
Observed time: {"hour": 10, "minute": 53}
